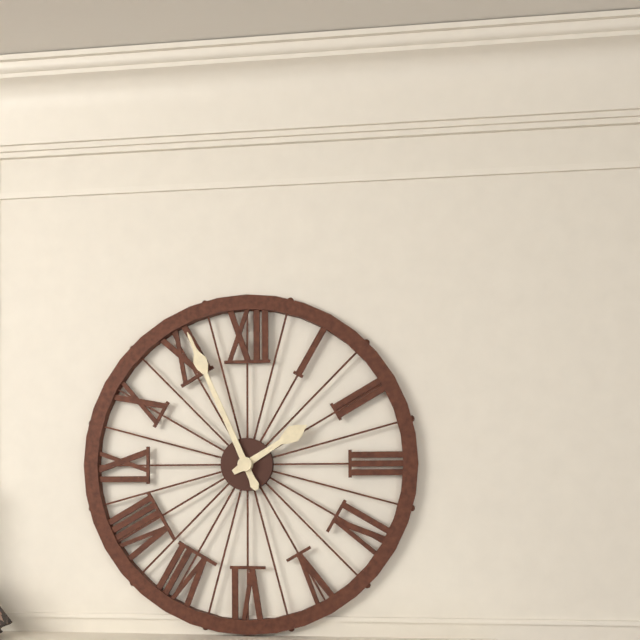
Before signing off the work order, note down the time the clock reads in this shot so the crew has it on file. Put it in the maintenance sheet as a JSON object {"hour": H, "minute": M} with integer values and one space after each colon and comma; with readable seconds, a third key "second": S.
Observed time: {"hour": 1, "minute": 56}
